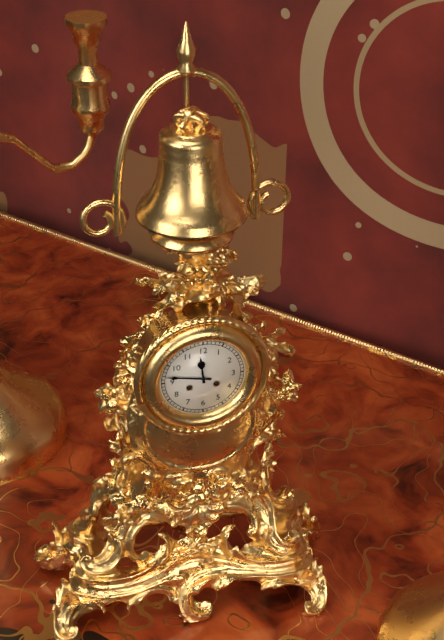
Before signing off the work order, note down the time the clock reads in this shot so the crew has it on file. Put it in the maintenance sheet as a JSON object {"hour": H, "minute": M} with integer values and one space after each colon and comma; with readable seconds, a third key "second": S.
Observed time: {"hour": 11, "minute": 47}
